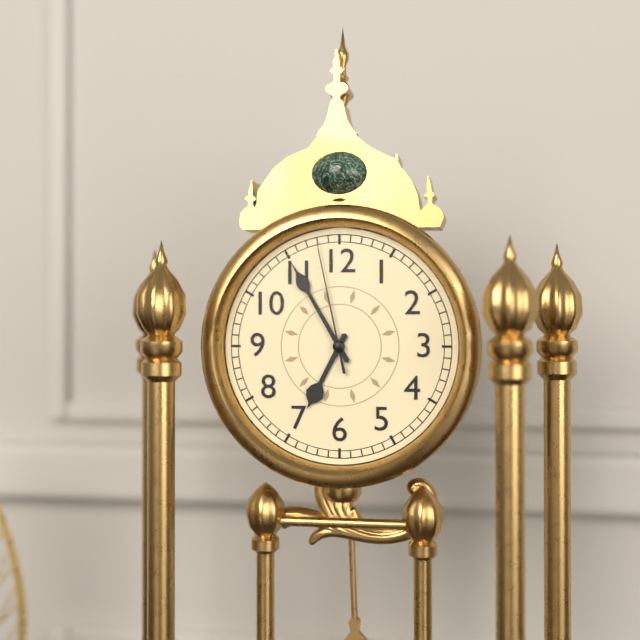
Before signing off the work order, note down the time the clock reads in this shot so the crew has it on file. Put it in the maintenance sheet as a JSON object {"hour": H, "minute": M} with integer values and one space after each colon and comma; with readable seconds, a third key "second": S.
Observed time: {"hour": 6, "minute": 55, "second": 58}
